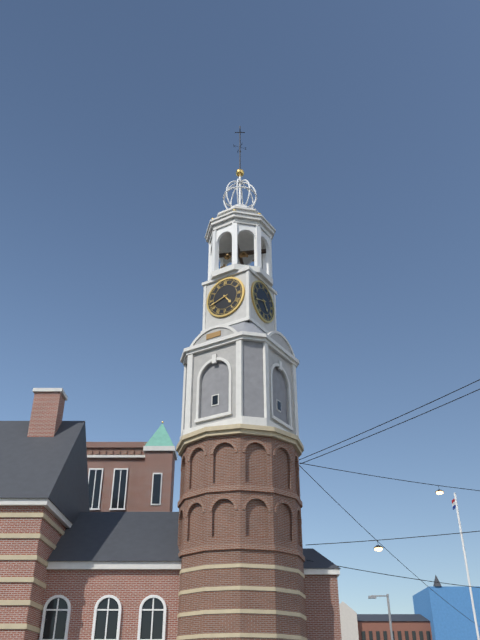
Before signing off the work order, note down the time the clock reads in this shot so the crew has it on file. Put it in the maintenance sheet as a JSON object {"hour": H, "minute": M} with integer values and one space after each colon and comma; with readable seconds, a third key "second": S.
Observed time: {"hour": 4, "minute": 42}
